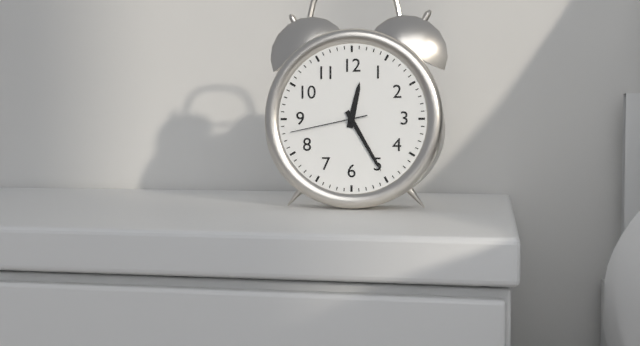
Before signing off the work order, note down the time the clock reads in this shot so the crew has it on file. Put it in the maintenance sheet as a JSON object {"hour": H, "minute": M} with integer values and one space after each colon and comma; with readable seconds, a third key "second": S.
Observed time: {"hour": 12, "minute": 25, "second": 43}
